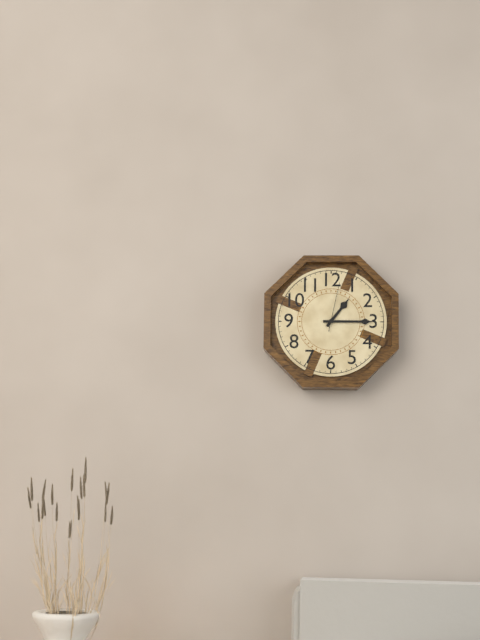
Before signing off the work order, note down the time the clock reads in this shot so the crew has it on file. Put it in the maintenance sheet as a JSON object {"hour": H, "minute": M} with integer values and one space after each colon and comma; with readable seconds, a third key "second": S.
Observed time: {"hour": 1, "minute": 15, "second": 2}
